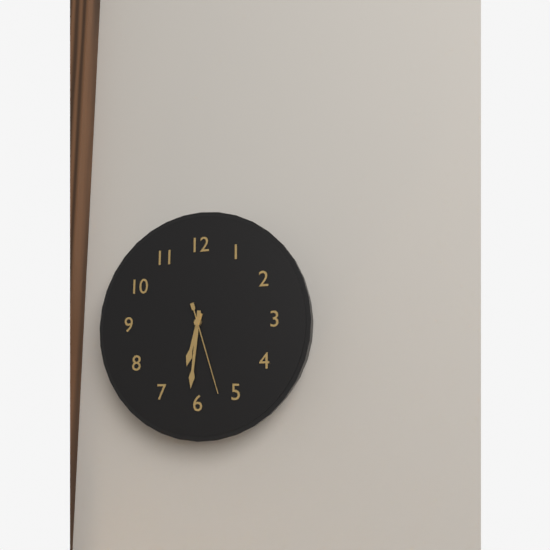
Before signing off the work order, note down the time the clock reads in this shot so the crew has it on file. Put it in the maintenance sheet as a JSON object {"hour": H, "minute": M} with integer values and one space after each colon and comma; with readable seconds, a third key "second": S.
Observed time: {"hour": 6, "minute": 31, "second": 27}
